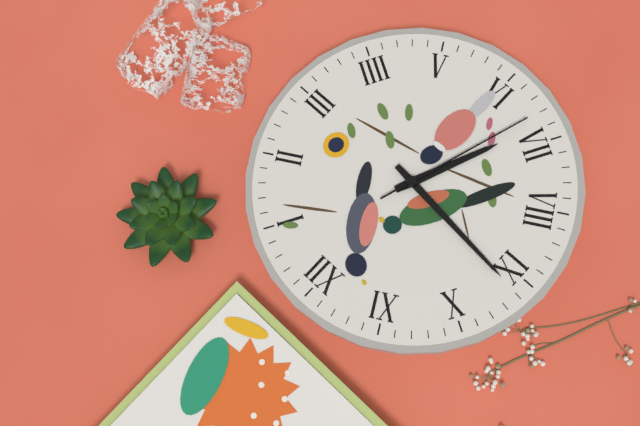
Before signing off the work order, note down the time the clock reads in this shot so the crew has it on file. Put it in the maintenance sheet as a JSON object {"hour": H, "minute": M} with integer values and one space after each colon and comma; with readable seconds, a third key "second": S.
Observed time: {"hour": 6, "minute": 46, "second": 33}
